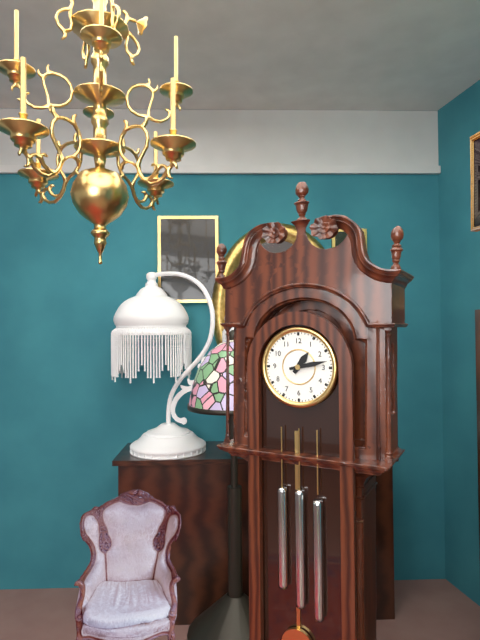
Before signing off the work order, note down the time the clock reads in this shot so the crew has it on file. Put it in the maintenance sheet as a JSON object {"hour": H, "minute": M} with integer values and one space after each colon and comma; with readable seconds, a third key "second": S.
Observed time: {"hour": 1, "minute": 13}
